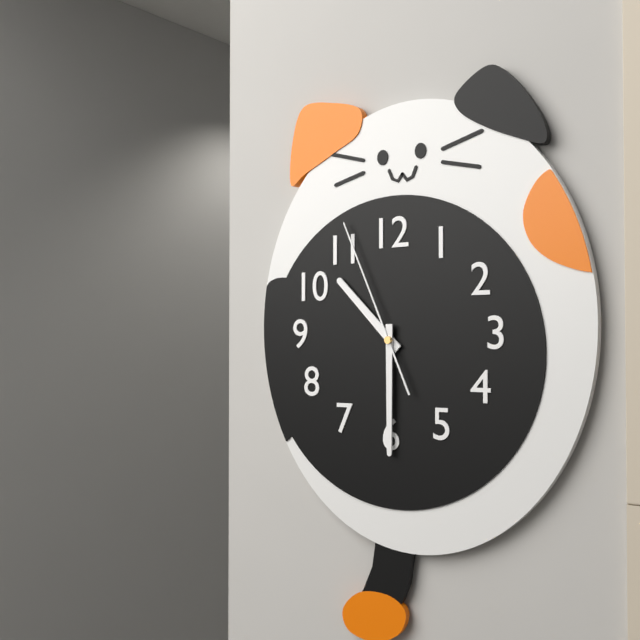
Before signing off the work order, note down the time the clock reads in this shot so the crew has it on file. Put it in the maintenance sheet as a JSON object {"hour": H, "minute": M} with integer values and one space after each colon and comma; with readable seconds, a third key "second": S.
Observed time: {"hour": 10, "minute": 30, "second": 56}
